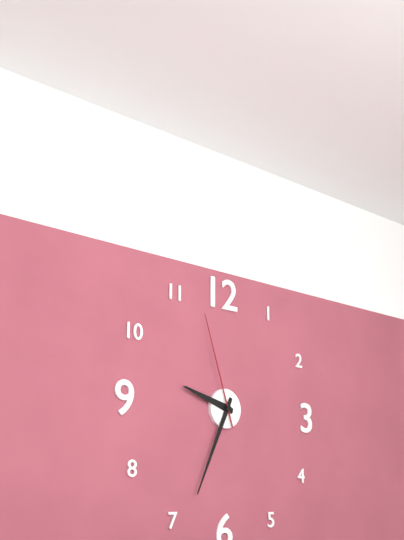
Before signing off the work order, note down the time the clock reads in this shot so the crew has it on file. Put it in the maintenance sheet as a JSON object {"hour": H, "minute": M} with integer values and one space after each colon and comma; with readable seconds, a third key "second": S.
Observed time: {"hour": 9, "minute": 34, "second": 57}
